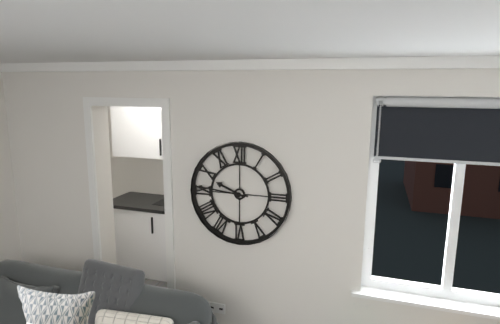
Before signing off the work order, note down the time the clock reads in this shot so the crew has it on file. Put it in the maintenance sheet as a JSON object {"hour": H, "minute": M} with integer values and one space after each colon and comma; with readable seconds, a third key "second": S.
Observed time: {"hour": 9, "minute": 46}
